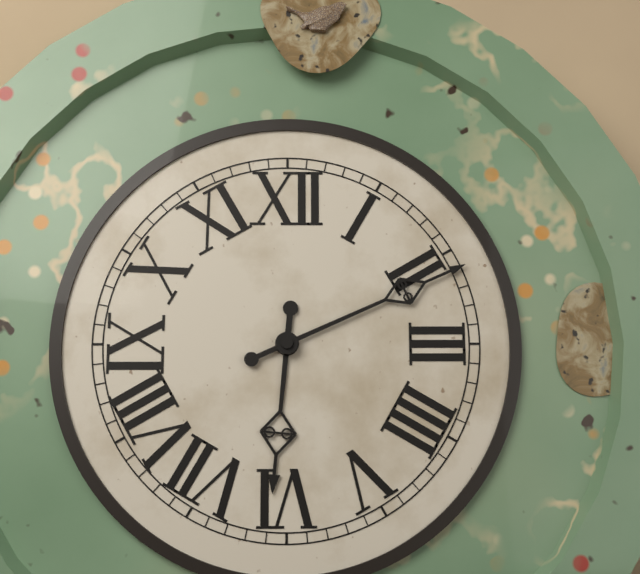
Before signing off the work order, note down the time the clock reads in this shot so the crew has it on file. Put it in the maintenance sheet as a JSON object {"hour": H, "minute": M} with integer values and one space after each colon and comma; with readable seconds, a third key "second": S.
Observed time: {"hour": 6, "minute": 11}
